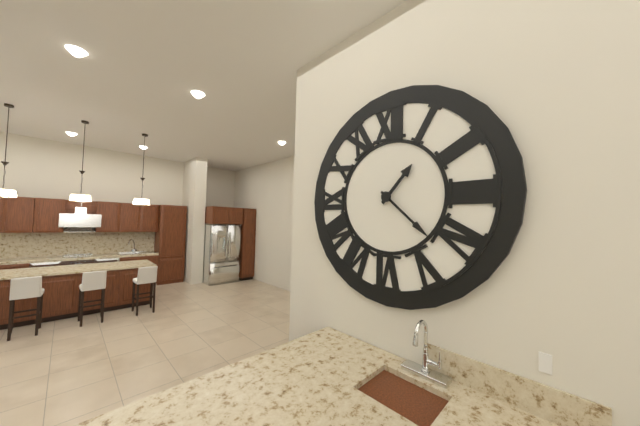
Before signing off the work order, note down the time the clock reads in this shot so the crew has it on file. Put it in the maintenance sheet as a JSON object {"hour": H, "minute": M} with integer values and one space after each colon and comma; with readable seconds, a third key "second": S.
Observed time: {"hour": 1, "minute": 22}
